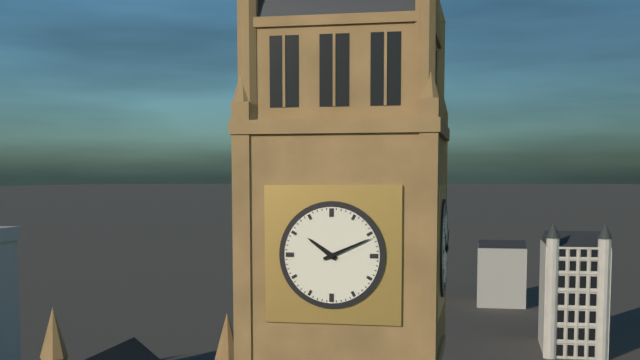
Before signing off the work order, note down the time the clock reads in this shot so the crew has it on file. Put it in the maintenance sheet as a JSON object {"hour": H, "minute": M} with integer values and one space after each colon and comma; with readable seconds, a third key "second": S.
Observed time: {"hour": 10, "minute": 11}
